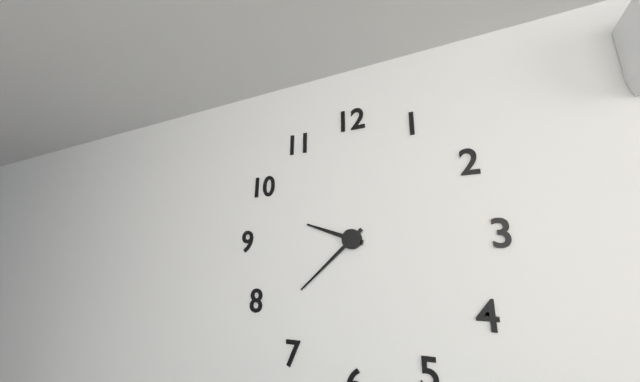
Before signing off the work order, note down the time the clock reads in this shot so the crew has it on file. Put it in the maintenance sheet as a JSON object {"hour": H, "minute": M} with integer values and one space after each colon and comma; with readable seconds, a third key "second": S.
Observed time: {"hour": 9, "minute": 38}
